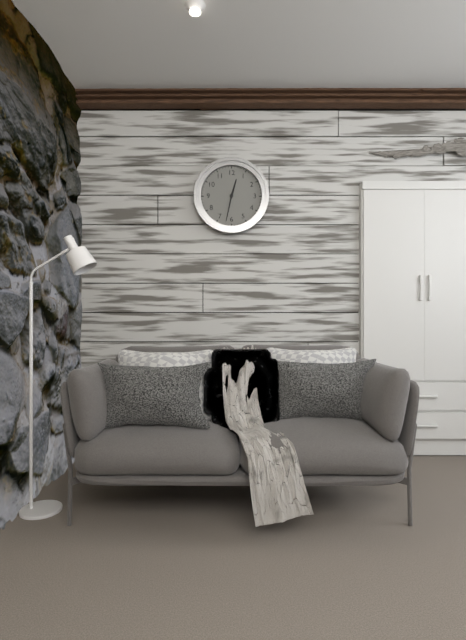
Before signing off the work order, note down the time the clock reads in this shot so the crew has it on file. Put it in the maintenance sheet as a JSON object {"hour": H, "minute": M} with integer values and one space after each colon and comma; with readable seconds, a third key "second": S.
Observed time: {"hour": 12, "minute": 32}
